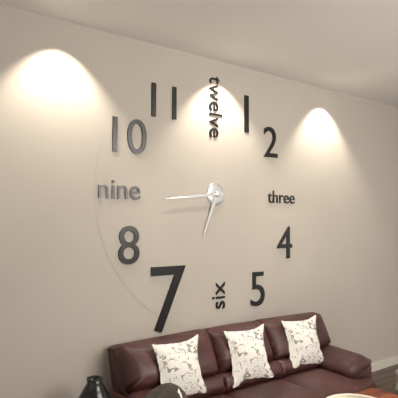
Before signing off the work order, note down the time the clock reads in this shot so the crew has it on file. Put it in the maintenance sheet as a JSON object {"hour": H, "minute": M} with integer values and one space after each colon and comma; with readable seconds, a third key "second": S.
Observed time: {"hour": 6, "minute": 44}
